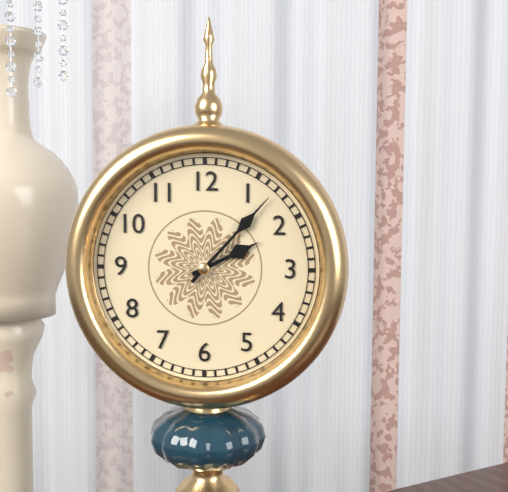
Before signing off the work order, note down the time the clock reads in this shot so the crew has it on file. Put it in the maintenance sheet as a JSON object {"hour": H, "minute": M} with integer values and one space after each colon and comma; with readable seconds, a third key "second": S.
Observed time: {"hour": 2, "minute": 7}
